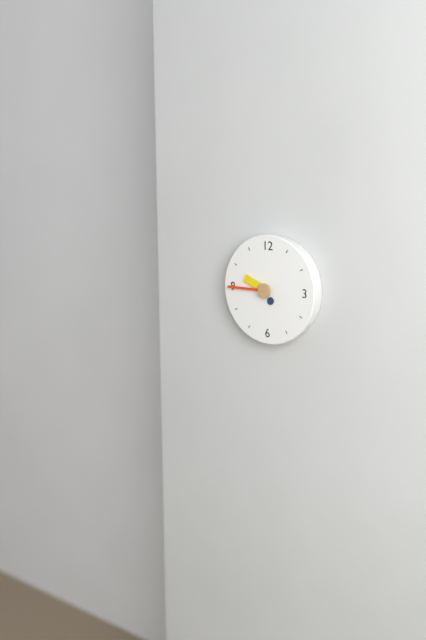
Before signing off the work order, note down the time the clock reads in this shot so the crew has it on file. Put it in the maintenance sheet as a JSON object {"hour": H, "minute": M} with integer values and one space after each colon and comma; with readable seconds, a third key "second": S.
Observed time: {"hour": 9, "minute": 45}
